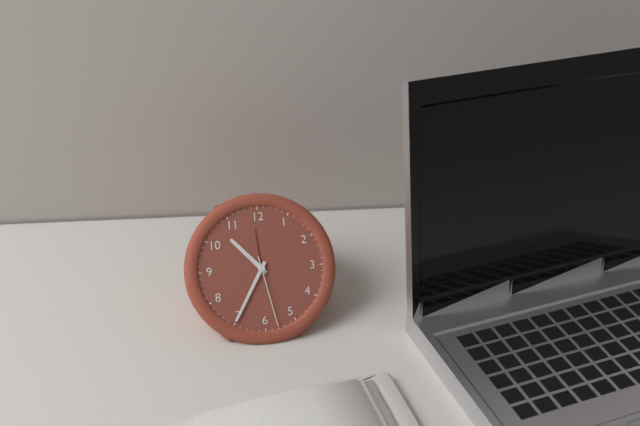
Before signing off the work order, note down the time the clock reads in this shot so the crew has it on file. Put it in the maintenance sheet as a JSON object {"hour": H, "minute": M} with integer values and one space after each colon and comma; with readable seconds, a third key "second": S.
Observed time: {"hour": 10, "minute": 35, "second": 28}
